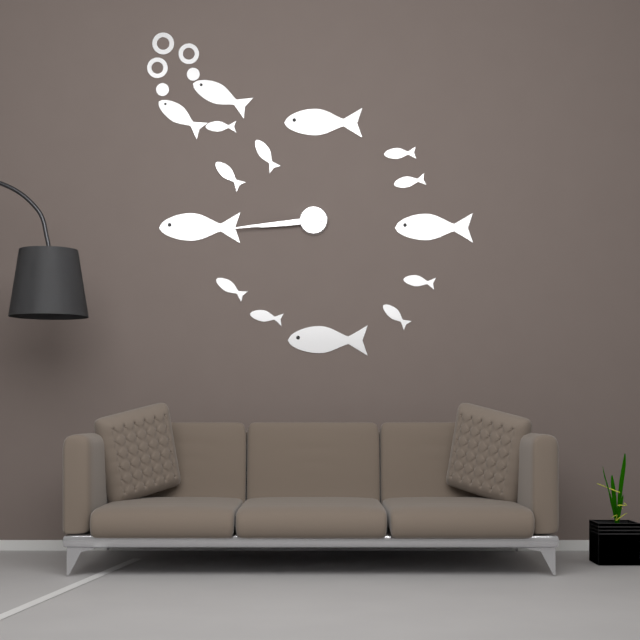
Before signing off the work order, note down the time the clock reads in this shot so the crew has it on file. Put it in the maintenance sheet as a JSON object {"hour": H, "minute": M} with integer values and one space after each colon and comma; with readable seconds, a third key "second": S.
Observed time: {"hour": 8, "minute": 44}
